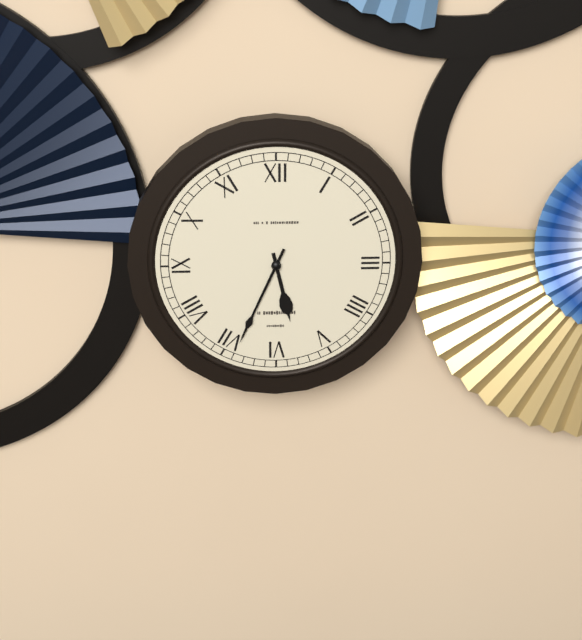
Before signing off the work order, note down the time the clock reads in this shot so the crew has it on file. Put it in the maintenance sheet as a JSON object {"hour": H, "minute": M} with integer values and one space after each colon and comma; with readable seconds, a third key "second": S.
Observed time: {"hour": 5, "minute": 34}
